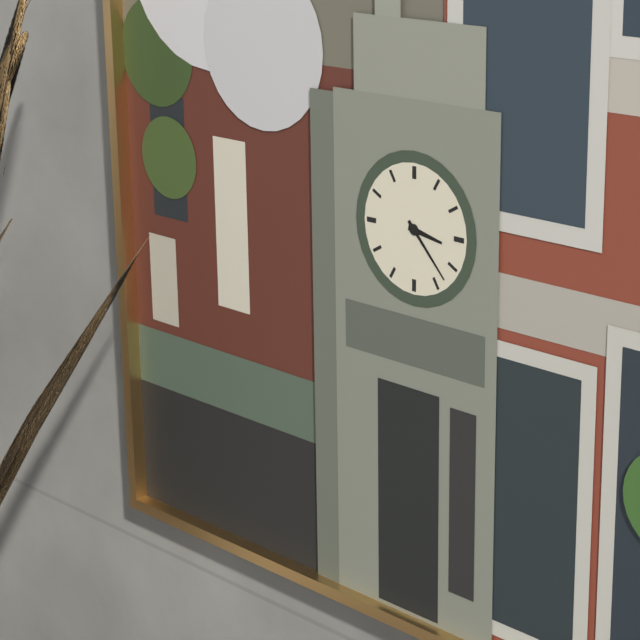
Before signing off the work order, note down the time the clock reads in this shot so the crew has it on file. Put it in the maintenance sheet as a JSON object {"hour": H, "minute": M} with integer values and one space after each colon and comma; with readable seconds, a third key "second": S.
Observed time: {"hour": 3, "minute": 23}
